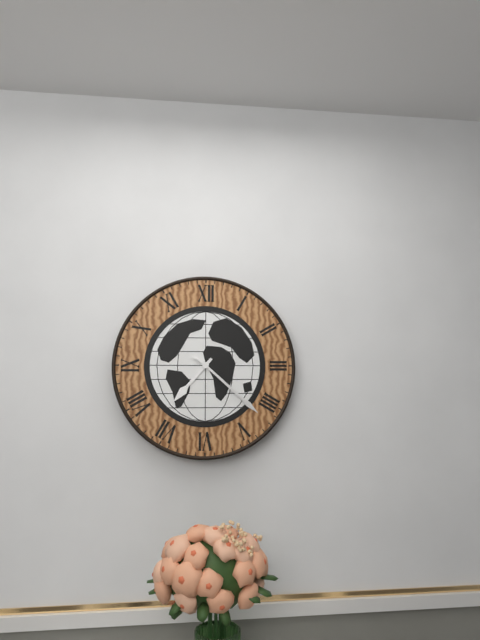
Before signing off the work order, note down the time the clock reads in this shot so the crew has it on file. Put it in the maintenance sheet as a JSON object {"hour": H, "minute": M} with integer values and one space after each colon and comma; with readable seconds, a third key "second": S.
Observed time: {"hour": 7, "minute": 22}
